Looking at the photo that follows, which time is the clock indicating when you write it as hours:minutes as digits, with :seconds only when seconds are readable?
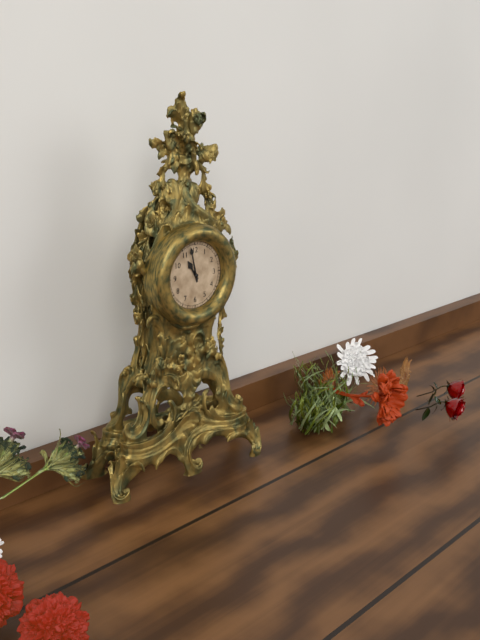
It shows 10:58
